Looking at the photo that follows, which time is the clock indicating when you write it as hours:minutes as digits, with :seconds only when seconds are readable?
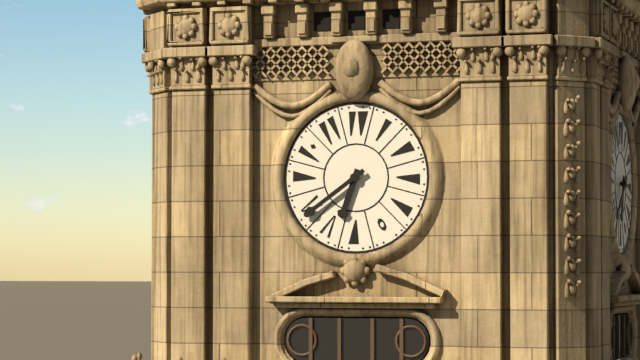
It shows 6:39
